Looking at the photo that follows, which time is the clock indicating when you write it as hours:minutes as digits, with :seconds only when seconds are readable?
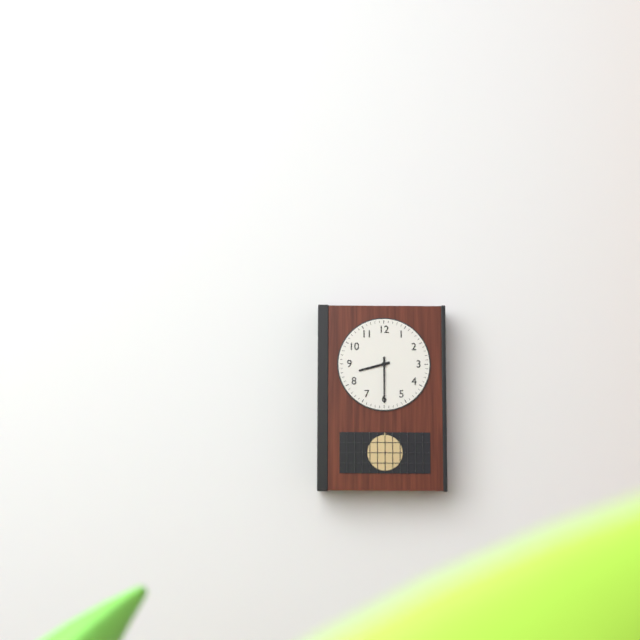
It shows 8:30
